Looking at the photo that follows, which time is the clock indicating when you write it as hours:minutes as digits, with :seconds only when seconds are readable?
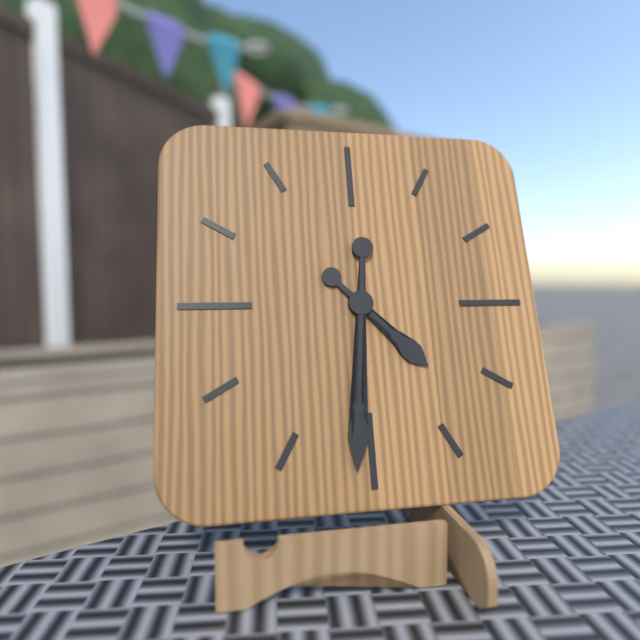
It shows 4:31
